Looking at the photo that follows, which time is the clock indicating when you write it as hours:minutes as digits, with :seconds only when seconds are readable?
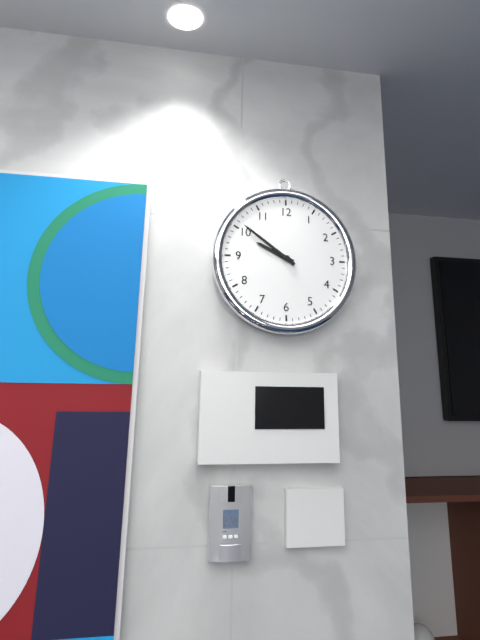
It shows 9:51
